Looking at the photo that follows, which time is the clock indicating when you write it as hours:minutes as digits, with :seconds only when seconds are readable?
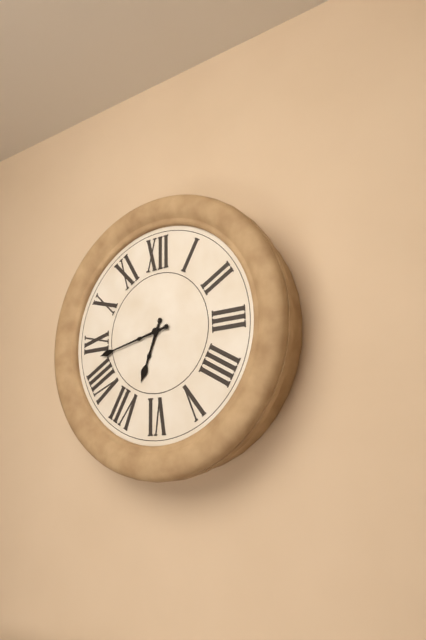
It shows 6:43
